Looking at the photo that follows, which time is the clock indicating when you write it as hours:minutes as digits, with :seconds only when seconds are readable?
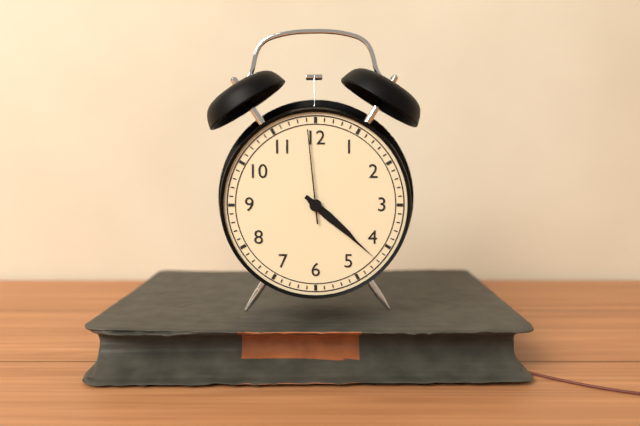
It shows 4:22:59
